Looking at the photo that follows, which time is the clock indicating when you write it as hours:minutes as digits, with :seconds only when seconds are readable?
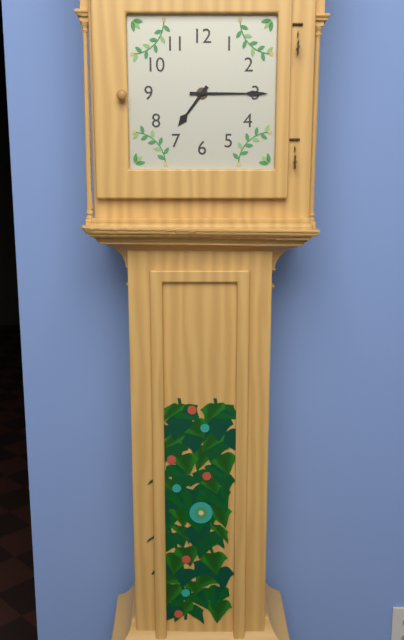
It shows 7:15
